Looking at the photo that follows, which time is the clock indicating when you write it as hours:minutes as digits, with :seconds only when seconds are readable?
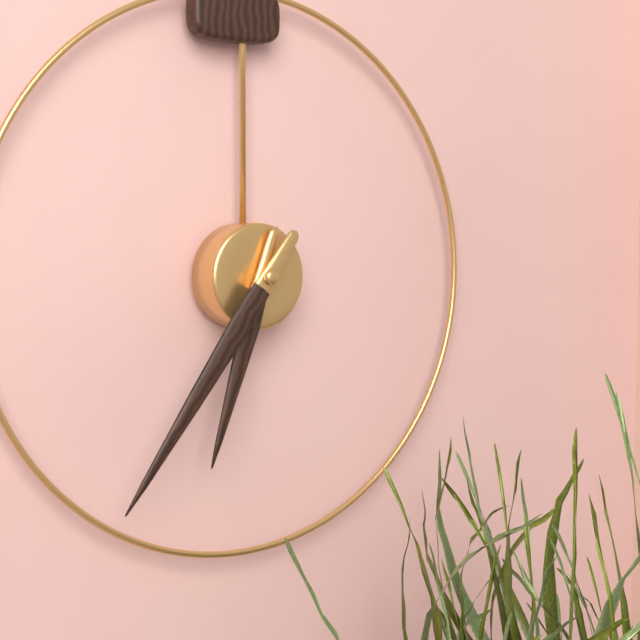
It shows 6:36
